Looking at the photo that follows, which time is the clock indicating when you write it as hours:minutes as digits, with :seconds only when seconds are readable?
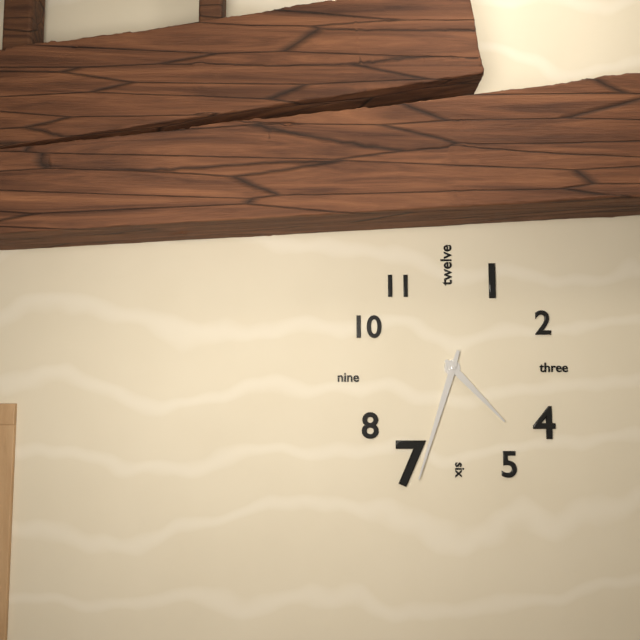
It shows 4:33
